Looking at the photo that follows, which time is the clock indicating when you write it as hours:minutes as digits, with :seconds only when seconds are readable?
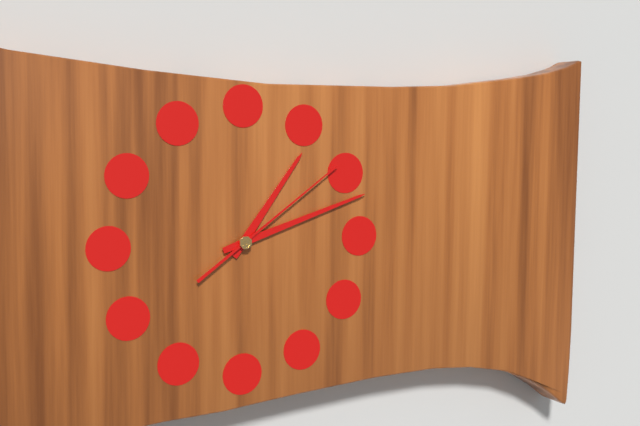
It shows 1:12:09
